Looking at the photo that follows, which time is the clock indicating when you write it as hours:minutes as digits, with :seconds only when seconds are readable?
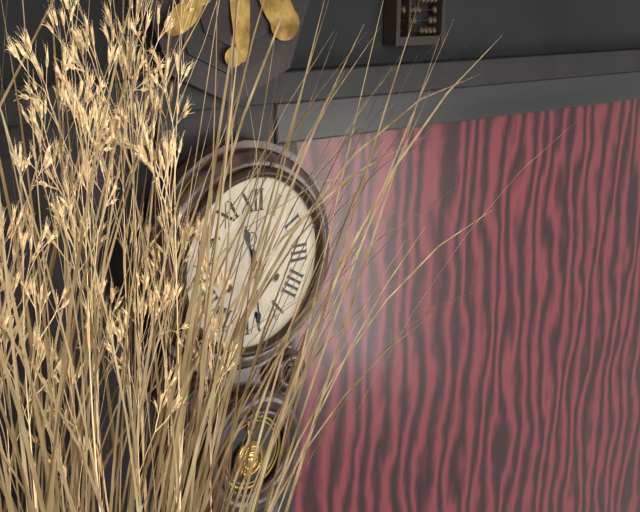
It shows 11:29
